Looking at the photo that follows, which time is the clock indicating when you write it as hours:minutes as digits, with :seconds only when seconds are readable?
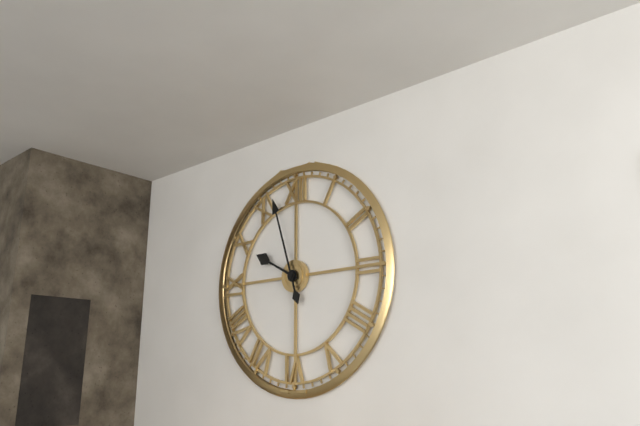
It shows 9:57
